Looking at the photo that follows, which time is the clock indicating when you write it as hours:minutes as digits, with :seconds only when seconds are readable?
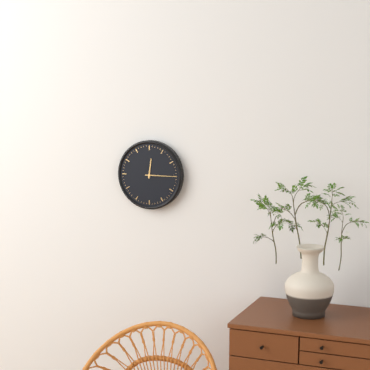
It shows 12:15
